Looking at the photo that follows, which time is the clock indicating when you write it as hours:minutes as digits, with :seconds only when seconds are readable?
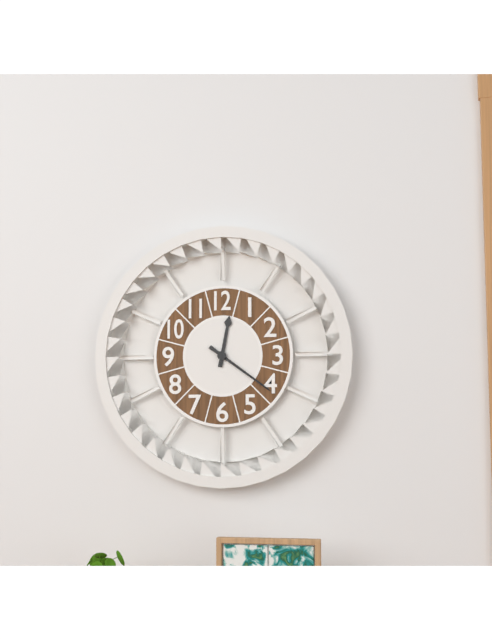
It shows 12:21
